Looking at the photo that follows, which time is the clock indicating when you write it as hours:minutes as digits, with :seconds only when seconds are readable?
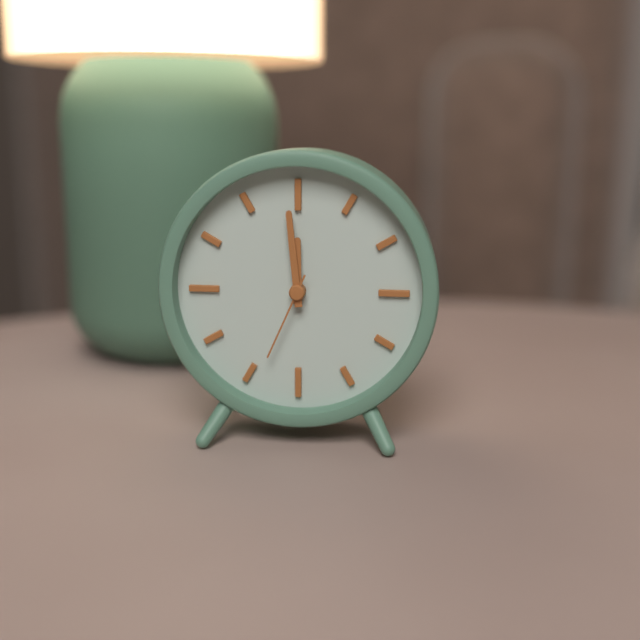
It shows 11:59:34
